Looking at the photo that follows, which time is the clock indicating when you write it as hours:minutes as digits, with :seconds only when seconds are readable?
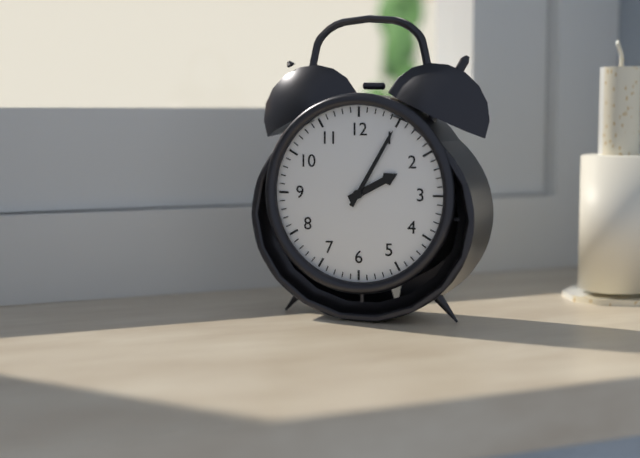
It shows 2:05
